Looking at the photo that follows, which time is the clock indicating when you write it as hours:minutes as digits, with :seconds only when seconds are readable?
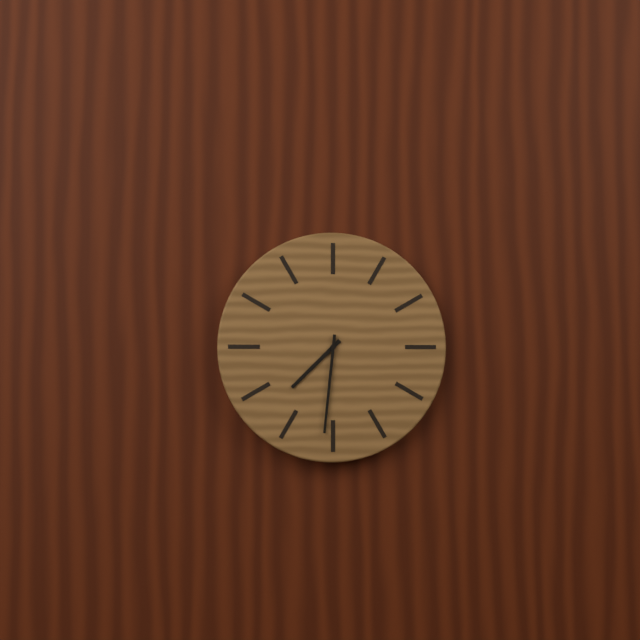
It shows 7:31
